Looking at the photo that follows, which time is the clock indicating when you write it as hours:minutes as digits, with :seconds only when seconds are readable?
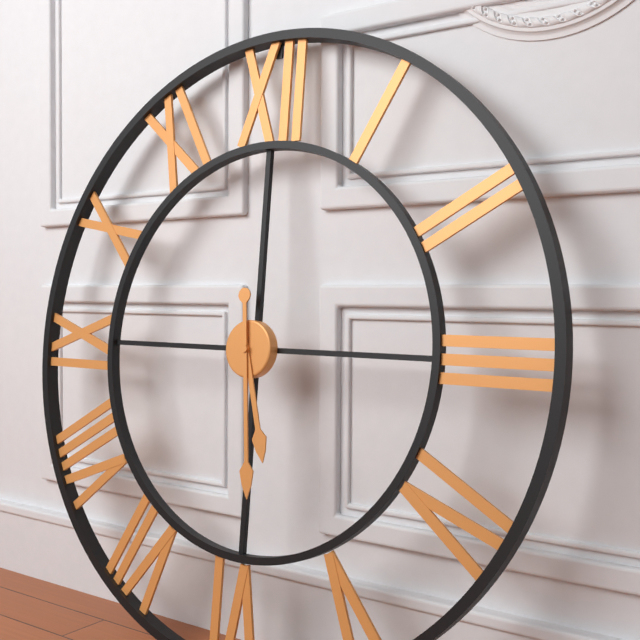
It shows 5:29
